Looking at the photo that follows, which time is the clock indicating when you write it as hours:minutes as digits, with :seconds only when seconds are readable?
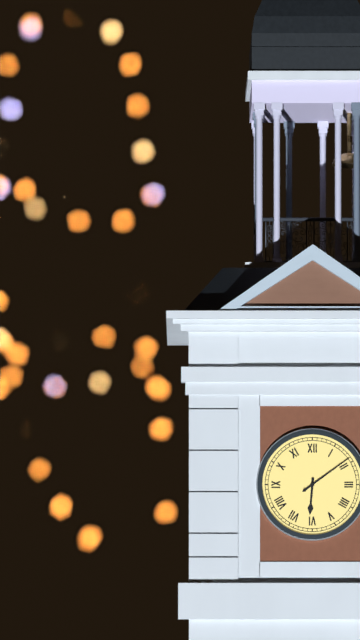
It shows 6:09
